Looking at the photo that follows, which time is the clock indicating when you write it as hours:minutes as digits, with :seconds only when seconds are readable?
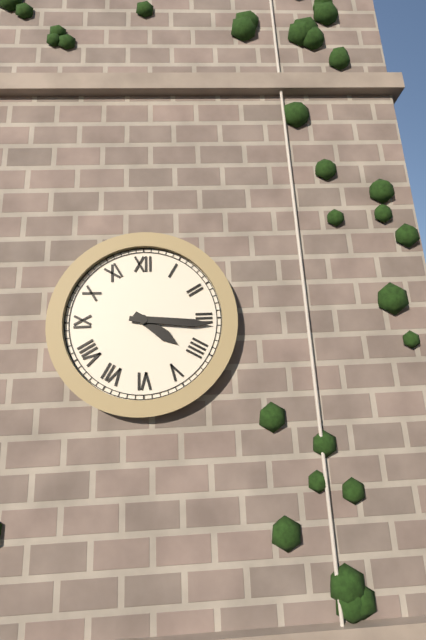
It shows 4:16
